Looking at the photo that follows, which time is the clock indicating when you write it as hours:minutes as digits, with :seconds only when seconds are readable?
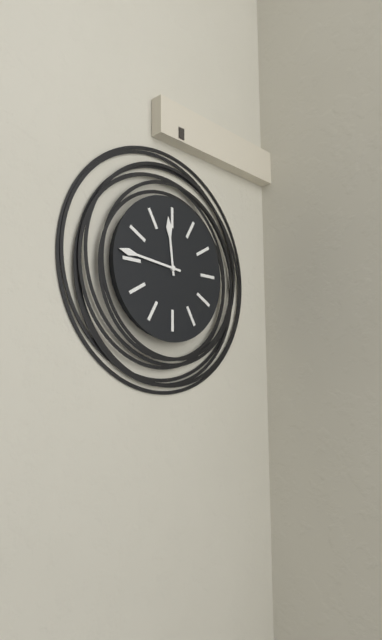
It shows 11:46
